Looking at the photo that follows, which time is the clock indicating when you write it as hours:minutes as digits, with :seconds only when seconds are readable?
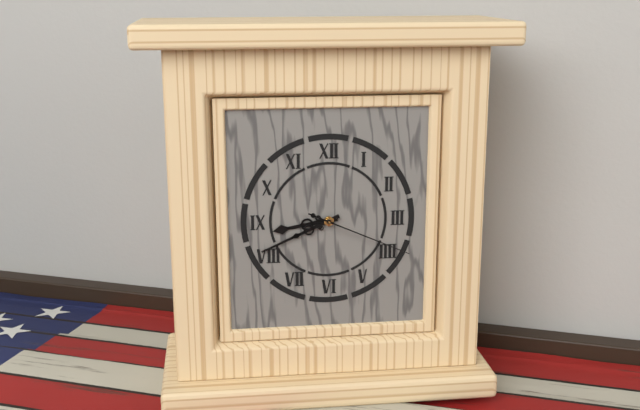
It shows 8:41:19
